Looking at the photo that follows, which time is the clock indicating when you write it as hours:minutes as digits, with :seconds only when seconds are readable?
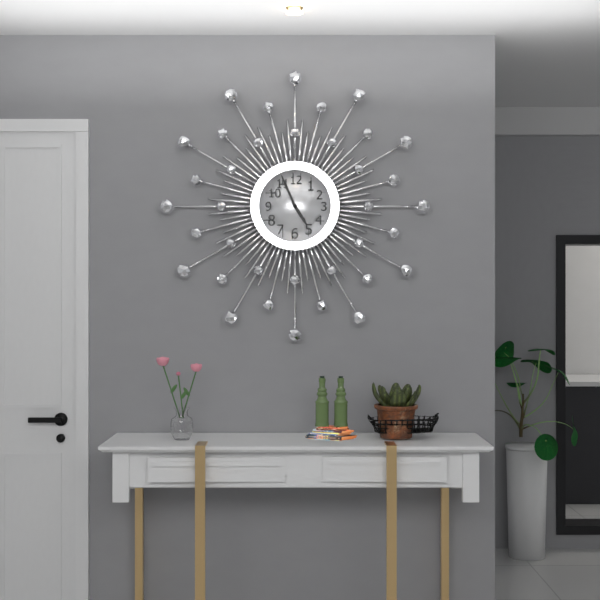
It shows 4:56
